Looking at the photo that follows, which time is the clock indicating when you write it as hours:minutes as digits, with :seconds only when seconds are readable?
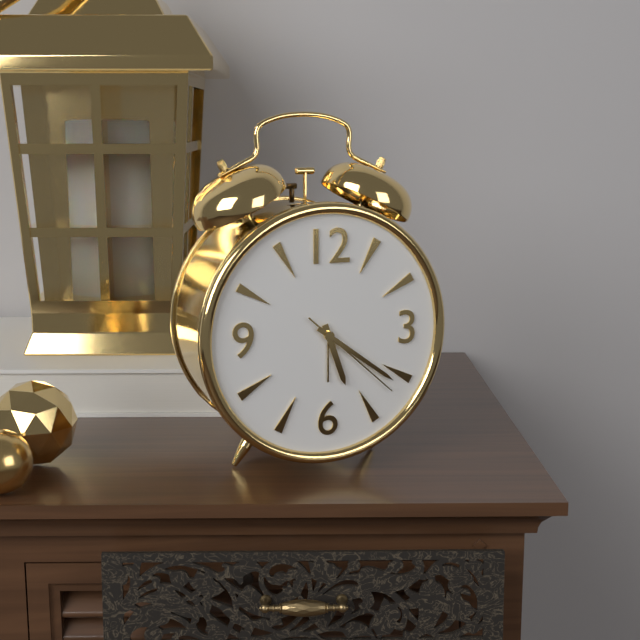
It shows 5:21:22
